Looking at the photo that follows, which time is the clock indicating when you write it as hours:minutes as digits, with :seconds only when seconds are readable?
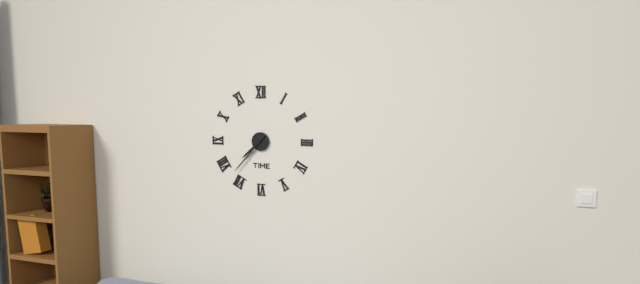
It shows 7:37
